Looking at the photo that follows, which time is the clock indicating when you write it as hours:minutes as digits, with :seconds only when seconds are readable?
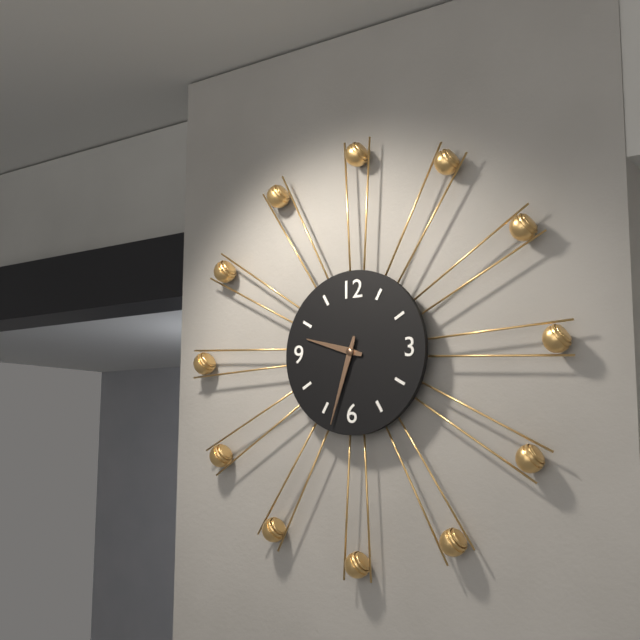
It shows 9:33
